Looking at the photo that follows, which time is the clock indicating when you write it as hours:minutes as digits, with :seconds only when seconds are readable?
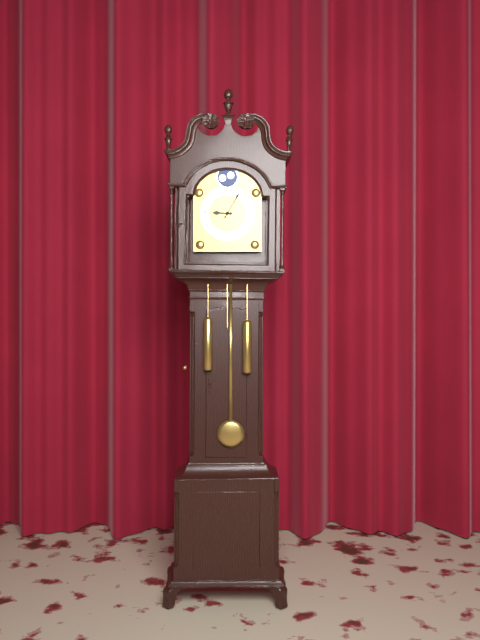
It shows 9:05
